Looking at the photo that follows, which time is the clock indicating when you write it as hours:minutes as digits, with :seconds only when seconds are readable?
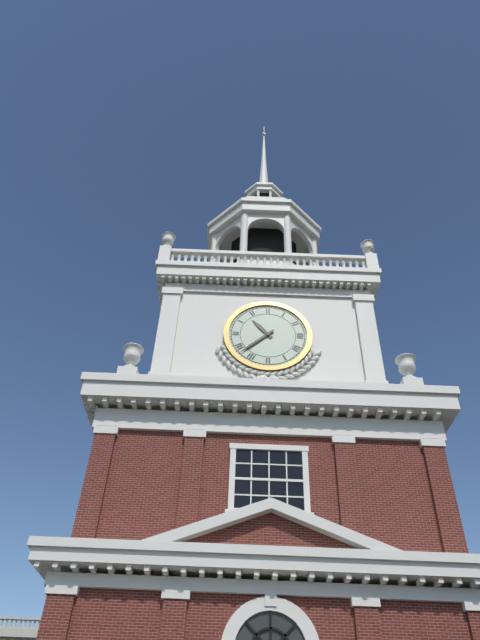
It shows 10:38
